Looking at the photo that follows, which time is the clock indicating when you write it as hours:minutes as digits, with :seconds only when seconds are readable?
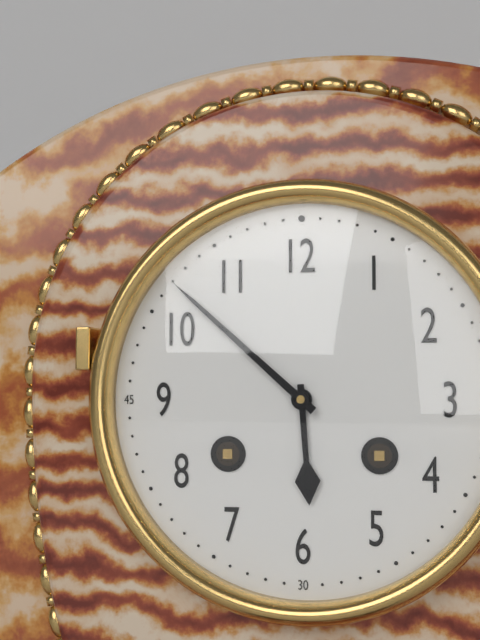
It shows 5:52
